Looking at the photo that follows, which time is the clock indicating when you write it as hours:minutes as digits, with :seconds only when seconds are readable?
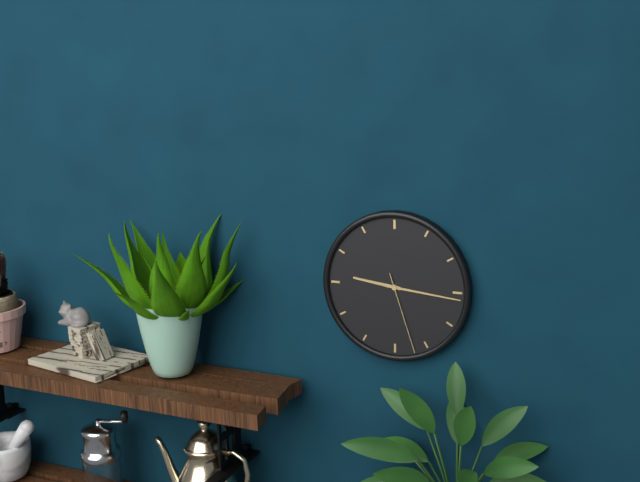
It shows 9:16:27
